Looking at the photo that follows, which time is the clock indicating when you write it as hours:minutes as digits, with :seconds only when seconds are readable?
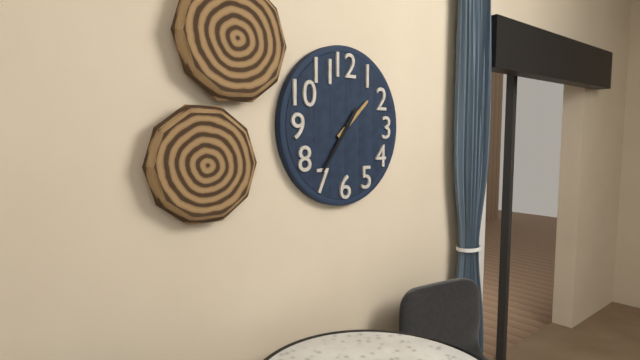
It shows 1:36
